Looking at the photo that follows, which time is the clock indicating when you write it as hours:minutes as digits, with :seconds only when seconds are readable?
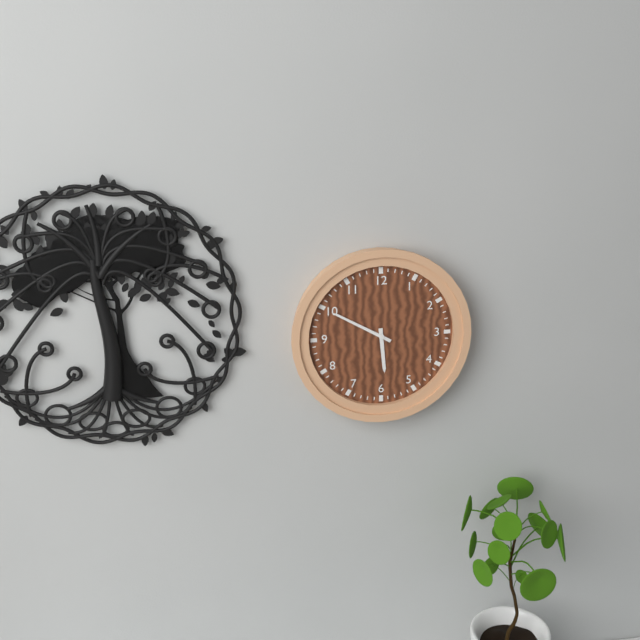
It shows 5:50
